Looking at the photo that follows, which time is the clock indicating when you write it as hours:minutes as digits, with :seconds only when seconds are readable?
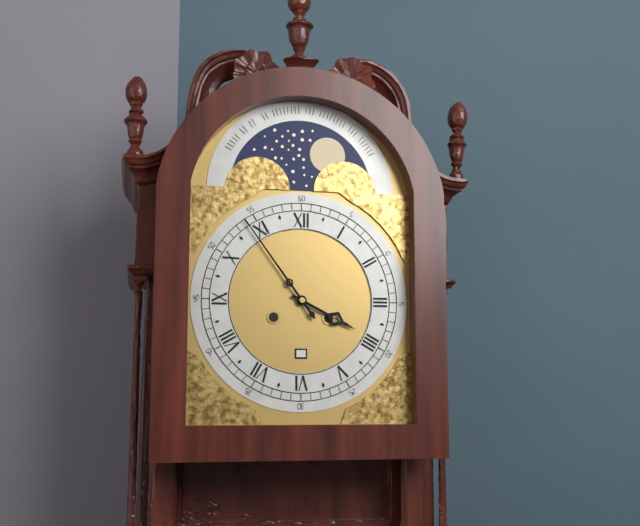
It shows 3:54
